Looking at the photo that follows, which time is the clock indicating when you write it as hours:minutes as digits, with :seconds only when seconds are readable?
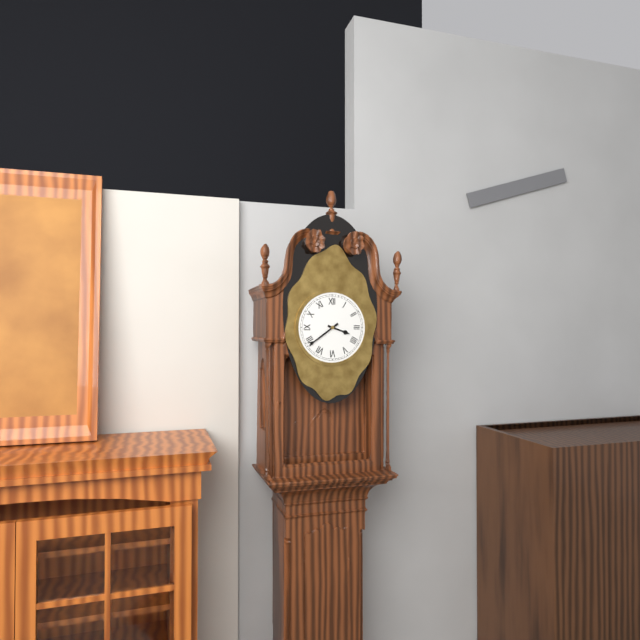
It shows 3:39
